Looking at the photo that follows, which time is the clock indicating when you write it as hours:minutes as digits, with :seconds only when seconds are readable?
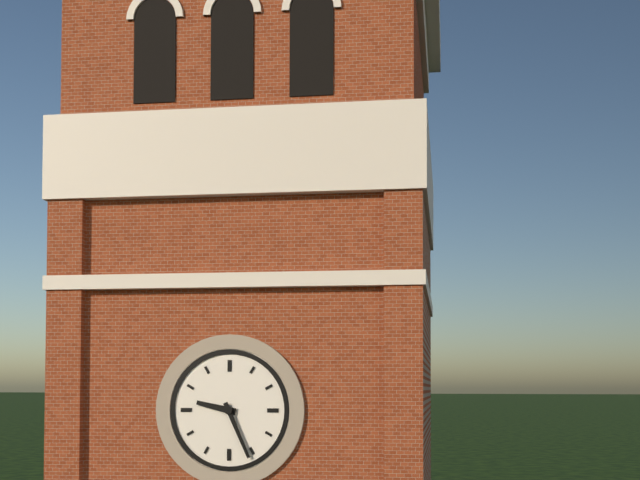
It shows 9:26
